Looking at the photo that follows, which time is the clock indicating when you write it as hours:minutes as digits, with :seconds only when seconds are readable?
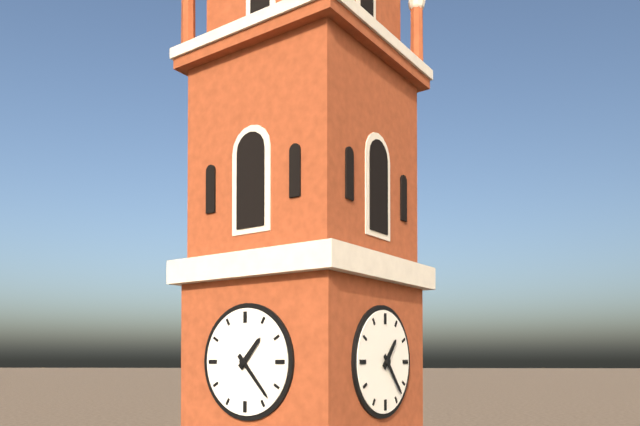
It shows 1:23
